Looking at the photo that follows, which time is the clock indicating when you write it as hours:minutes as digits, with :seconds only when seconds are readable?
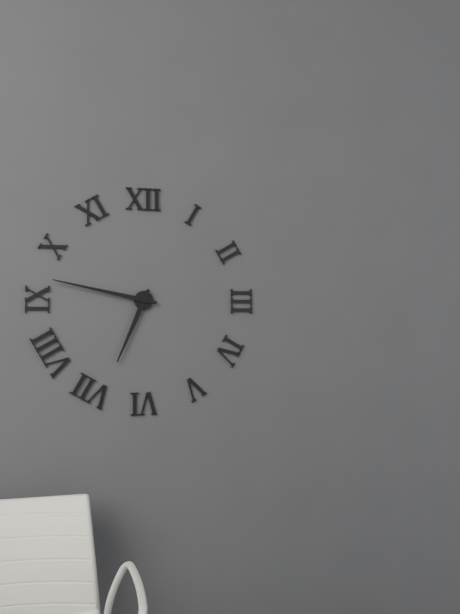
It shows 6:47
